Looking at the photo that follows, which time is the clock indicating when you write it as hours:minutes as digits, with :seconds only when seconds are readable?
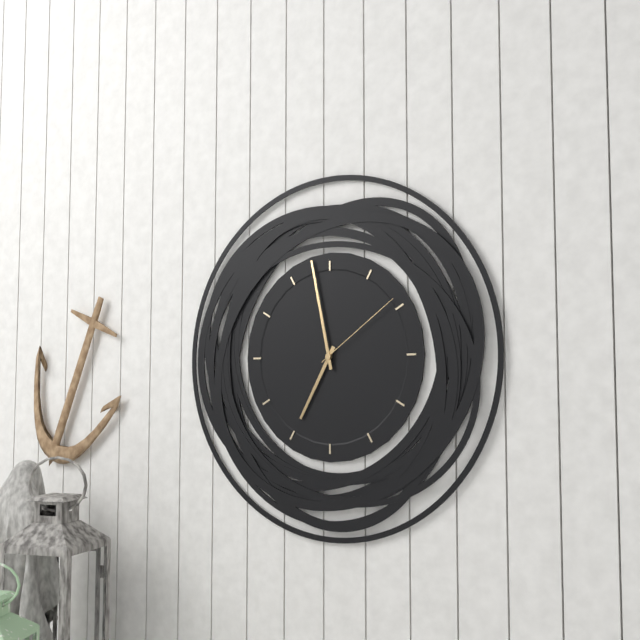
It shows 6:58:09
